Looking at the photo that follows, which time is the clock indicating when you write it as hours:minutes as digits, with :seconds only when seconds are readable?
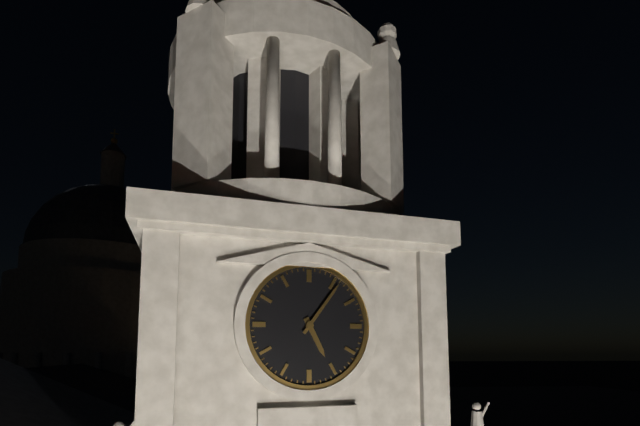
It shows 5:06
